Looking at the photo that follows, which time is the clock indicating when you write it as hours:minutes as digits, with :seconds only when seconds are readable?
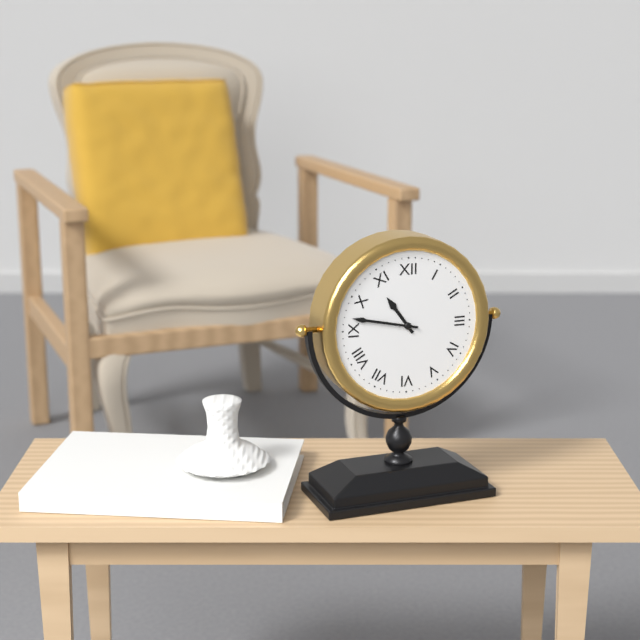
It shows 10:47
